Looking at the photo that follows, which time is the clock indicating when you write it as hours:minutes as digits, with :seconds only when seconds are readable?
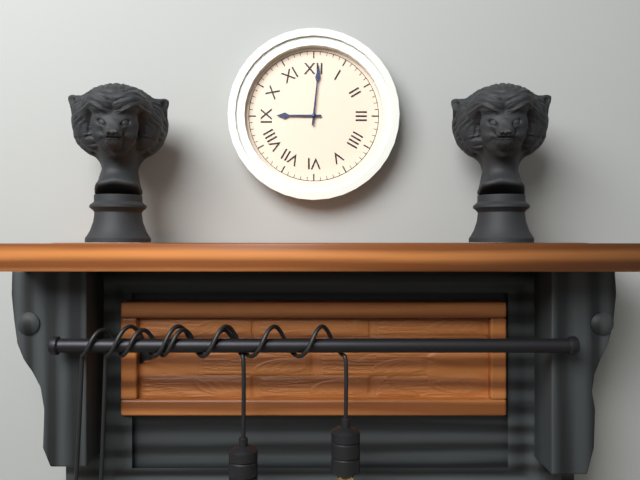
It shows 9:01
